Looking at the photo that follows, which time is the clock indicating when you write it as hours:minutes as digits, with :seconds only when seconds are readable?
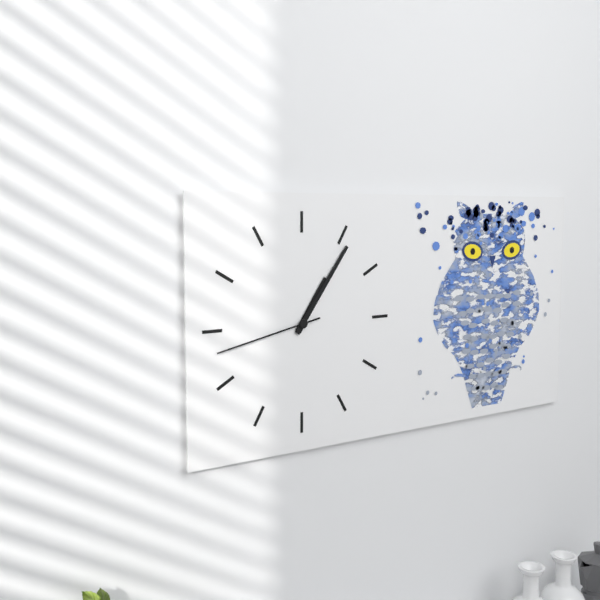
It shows 1:06:43
